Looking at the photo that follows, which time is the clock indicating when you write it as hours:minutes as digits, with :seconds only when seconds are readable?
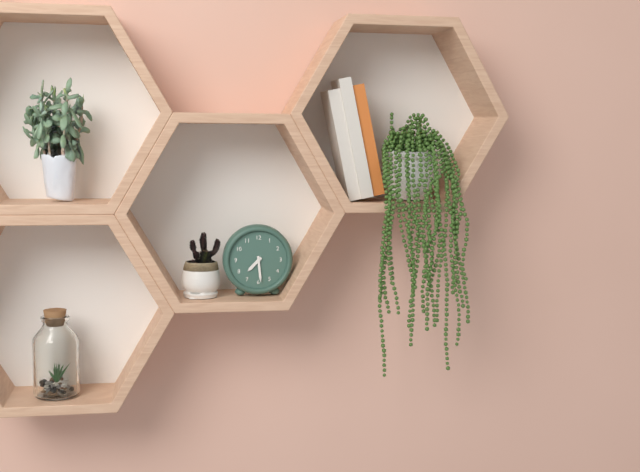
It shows 7:29
